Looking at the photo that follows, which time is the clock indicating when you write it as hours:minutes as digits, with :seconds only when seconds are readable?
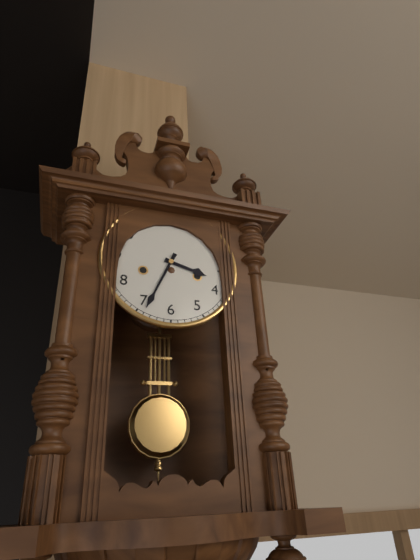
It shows 3:34
